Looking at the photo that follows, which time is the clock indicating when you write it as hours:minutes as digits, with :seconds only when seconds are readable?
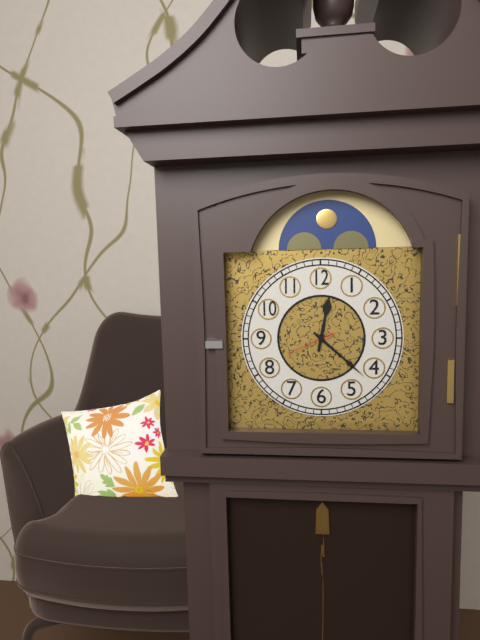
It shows 12:22
